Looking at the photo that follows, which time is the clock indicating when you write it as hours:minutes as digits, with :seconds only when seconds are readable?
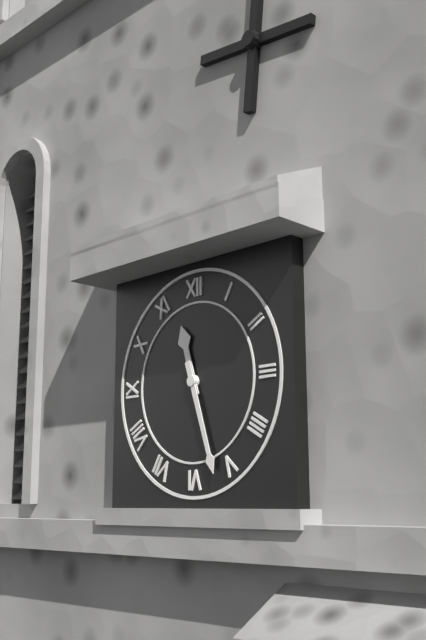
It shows 11:27
